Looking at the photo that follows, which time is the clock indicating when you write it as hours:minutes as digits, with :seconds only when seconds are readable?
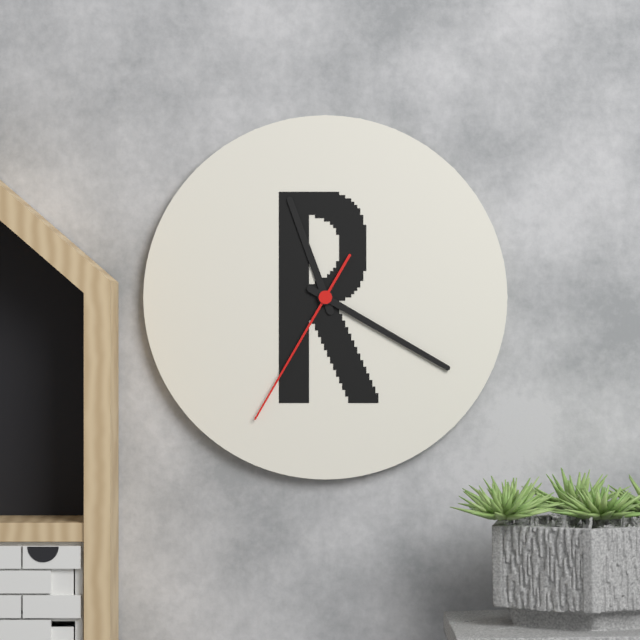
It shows 11:20:35
